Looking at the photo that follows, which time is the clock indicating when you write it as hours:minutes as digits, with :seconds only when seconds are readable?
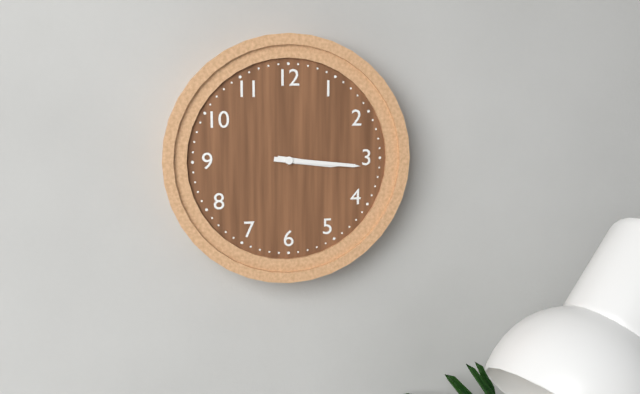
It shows 3:16
